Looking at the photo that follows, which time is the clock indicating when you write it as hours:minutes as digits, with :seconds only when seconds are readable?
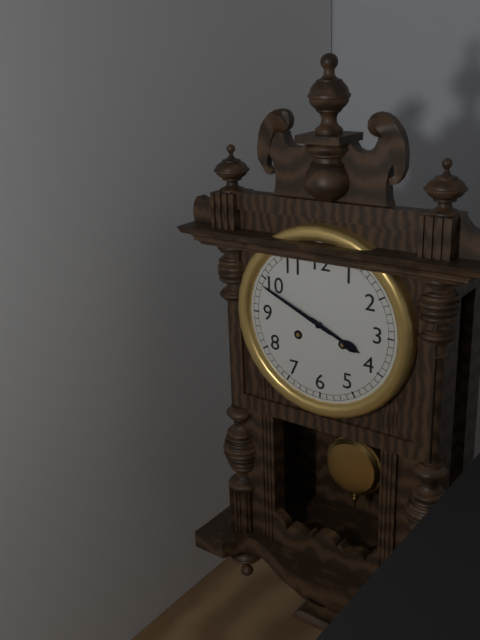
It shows 3:49
